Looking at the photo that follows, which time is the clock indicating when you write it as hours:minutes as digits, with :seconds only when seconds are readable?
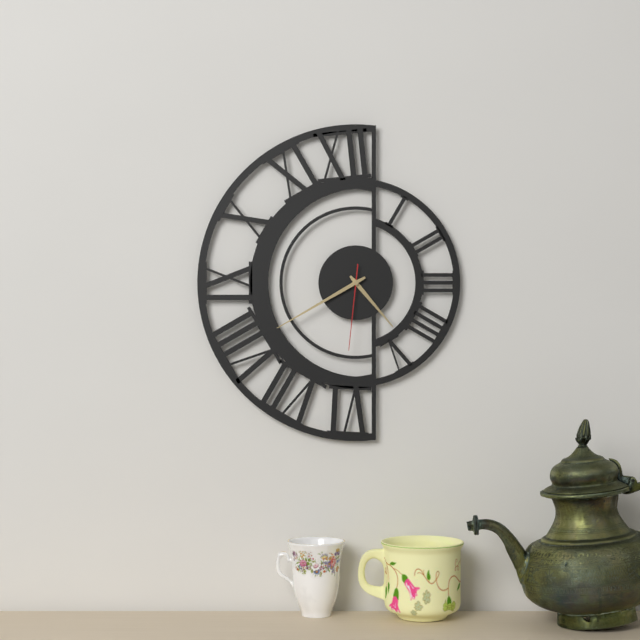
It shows 4:40:31
